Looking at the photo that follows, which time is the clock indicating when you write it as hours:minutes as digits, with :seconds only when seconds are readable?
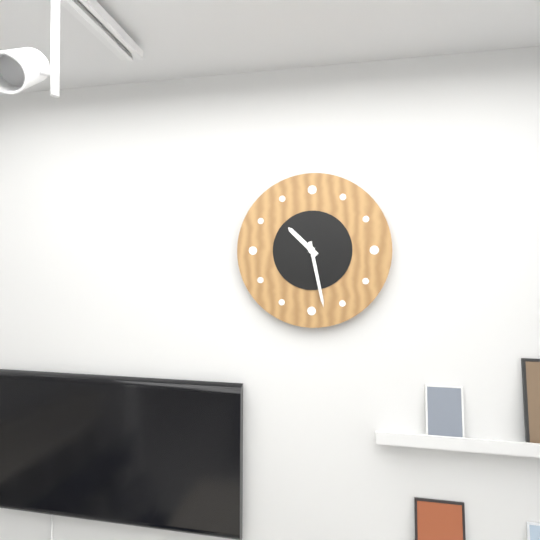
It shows 10:28
